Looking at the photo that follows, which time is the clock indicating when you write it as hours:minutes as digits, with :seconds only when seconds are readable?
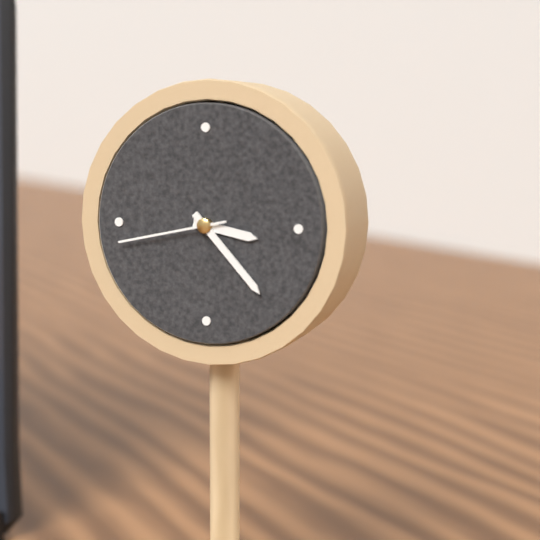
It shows 3:23:43
